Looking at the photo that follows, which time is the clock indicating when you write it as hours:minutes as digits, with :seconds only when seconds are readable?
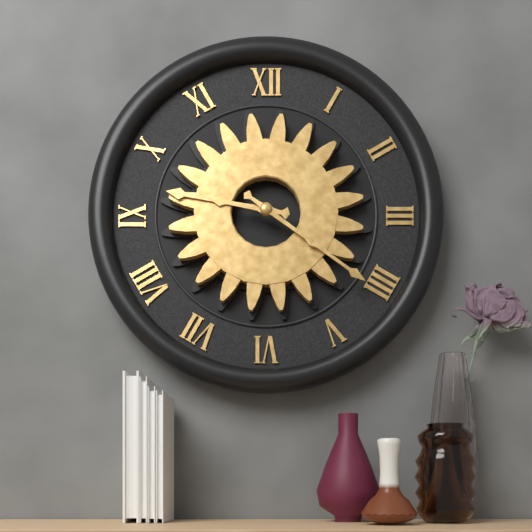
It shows 9:21
